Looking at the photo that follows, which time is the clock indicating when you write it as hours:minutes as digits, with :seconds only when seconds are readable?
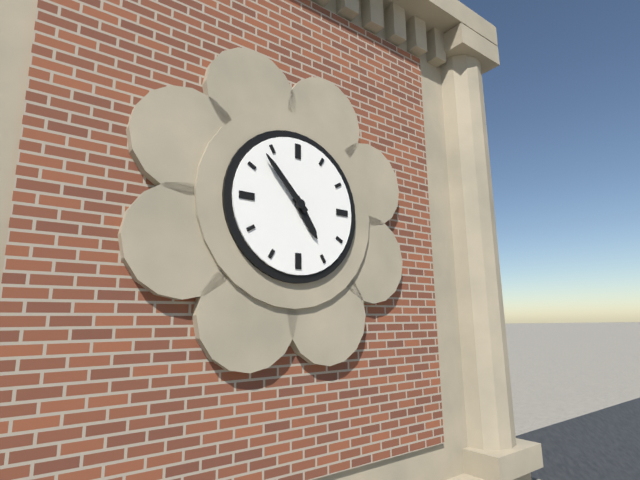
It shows 4:53
